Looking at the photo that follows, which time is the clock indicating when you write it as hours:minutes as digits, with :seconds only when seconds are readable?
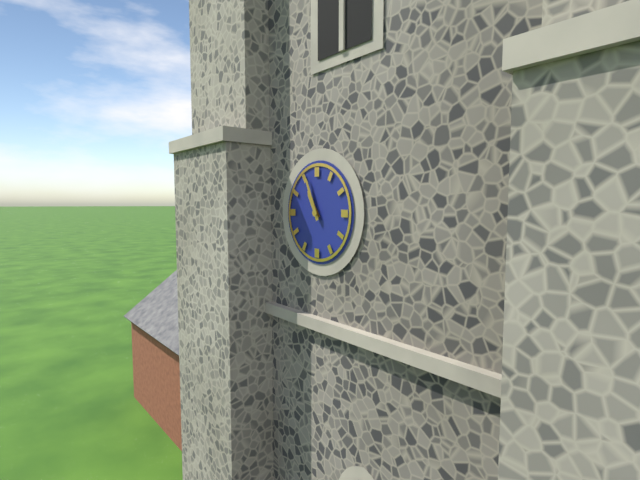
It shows 10:56
